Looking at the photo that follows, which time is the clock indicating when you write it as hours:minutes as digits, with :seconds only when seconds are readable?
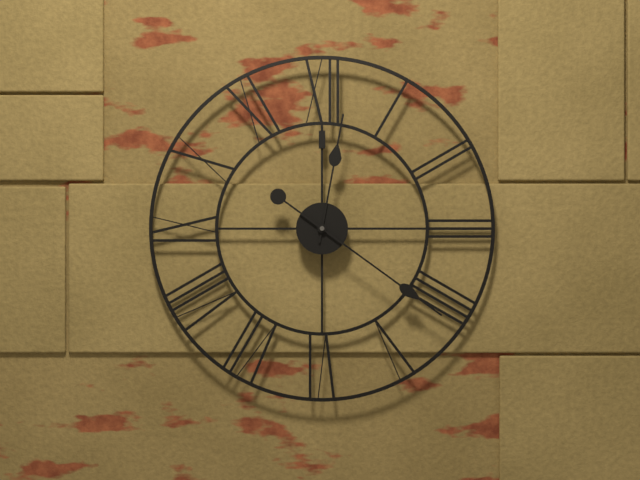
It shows 12:21
